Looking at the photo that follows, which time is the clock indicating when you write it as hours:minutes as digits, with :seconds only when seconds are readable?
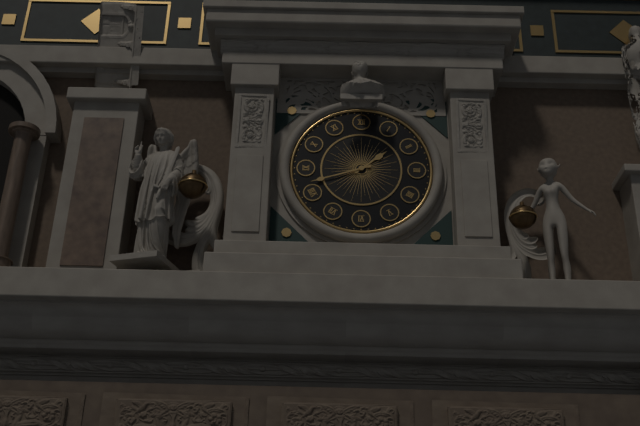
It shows 1:42
